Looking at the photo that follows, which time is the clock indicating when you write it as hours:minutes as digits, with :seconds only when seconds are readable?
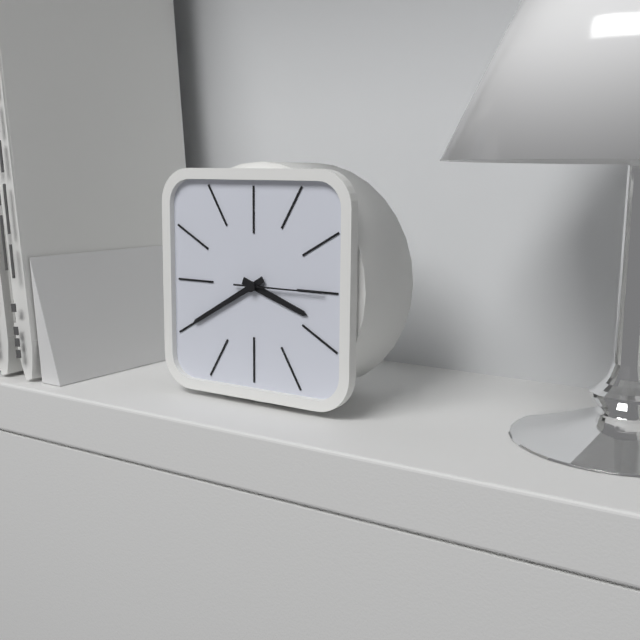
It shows 3:40:15
